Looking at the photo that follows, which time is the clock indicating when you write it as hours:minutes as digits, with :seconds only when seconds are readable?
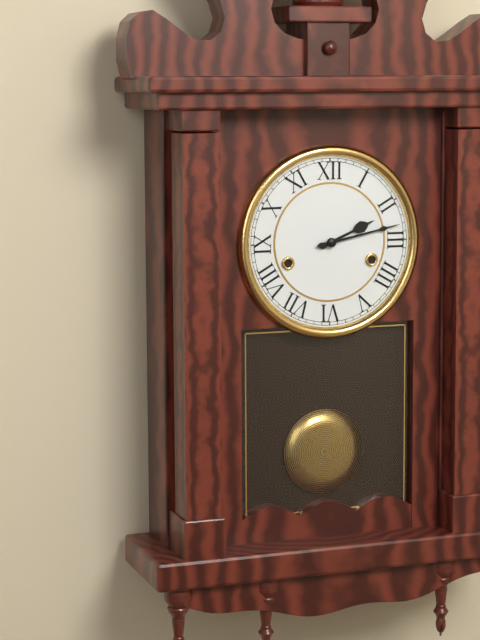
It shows 2:13
